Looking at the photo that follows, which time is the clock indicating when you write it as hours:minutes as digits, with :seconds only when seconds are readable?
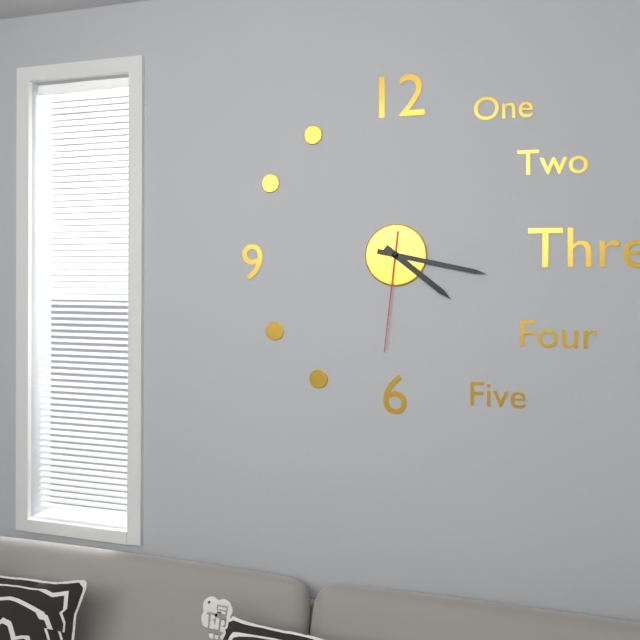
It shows 4:17:31
